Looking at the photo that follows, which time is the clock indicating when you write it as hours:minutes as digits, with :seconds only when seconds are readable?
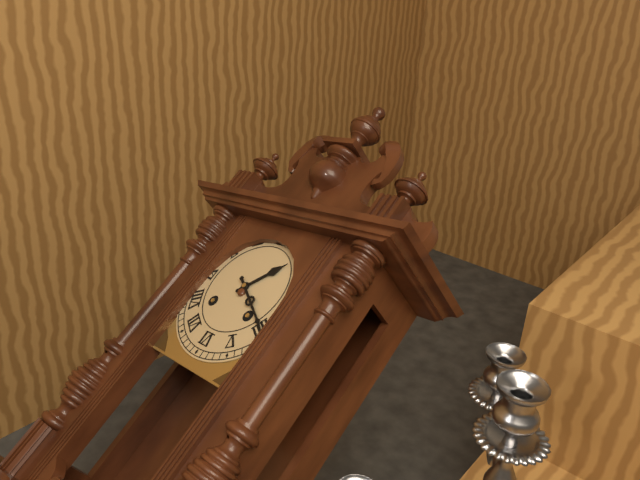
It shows 1:20
